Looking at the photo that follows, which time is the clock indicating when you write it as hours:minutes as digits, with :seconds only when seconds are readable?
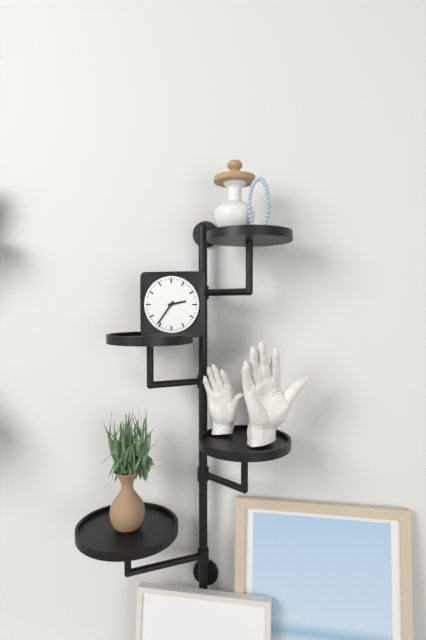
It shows 2:36
